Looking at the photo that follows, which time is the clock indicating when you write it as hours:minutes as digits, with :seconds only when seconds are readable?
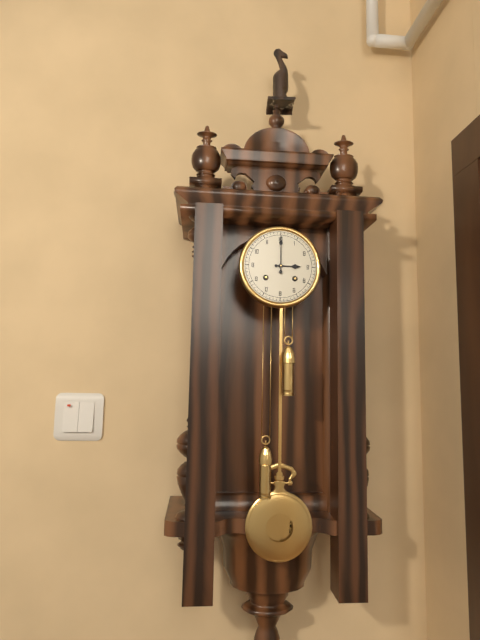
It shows 3:00
